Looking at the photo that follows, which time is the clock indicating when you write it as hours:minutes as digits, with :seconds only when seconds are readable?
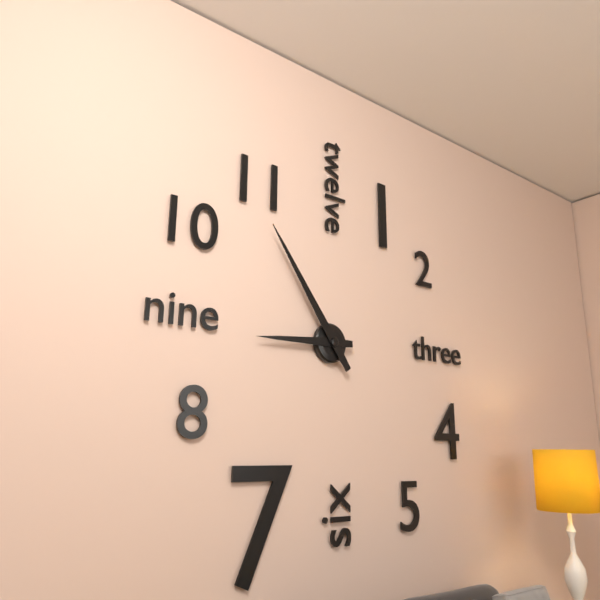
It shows 8:54
